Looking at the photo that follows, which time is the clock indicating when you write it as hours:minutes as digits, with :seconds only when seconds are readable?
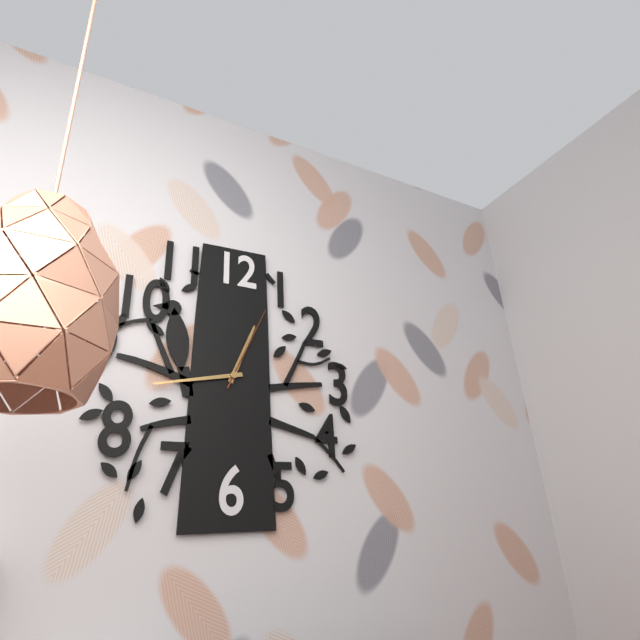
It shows 12:43:04
